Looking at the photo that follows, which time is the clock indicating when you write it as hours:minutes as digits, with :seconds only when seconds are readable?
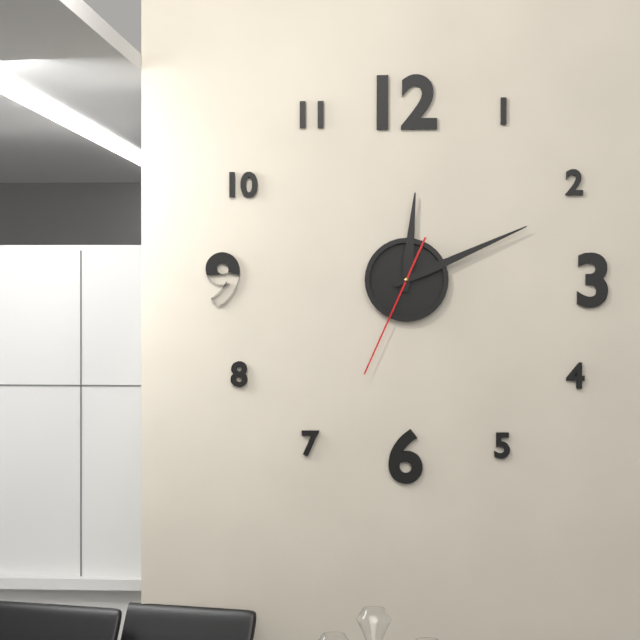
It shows 12:11:34
